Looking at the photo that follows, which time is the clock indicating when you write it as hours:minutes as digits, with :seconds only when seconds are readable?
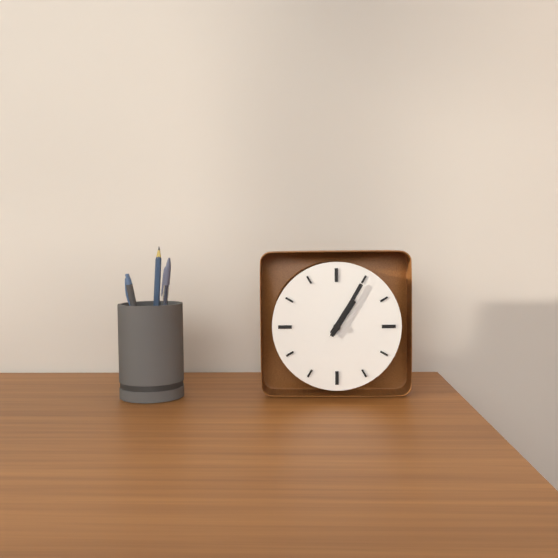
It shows 1:05
